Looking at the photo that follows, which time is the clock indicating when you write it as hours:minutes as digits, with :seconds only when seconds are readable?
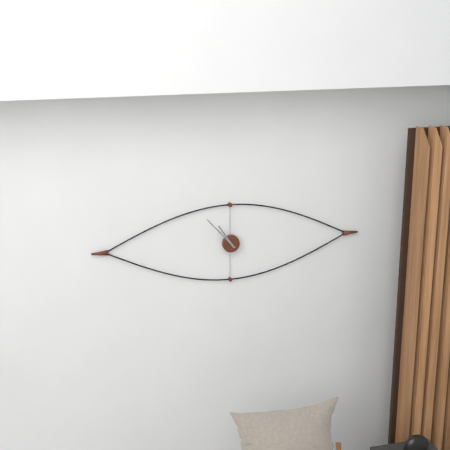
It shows 10:53
